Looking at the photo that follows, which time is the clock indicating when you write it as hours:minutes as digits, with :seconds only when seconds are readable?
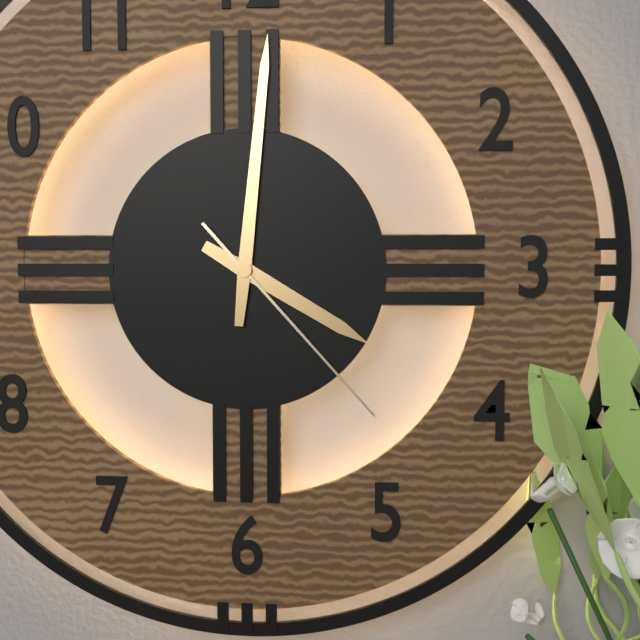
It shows 4:01:23
